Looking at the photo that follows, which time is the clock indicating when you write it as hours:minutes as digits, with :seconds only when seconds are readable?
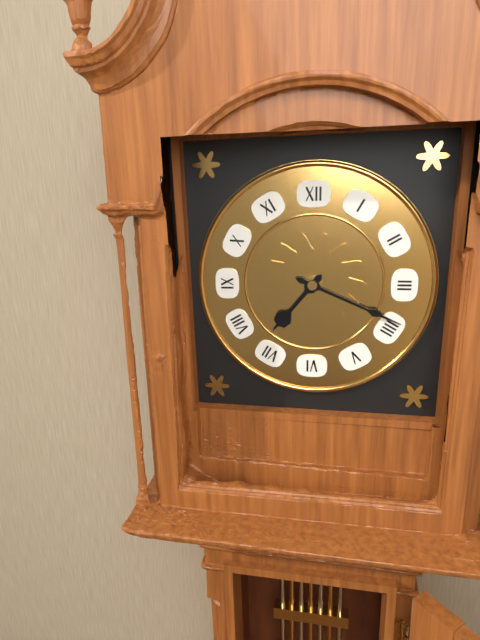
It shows 7:19
